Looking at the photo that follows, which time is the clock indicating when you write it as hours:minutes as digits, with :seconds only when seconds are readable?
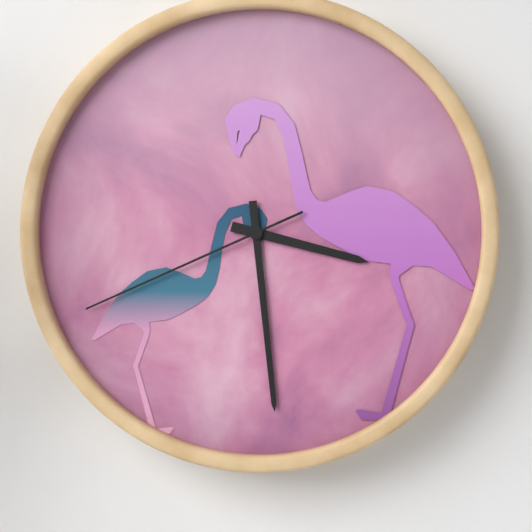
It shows 3:29:41
